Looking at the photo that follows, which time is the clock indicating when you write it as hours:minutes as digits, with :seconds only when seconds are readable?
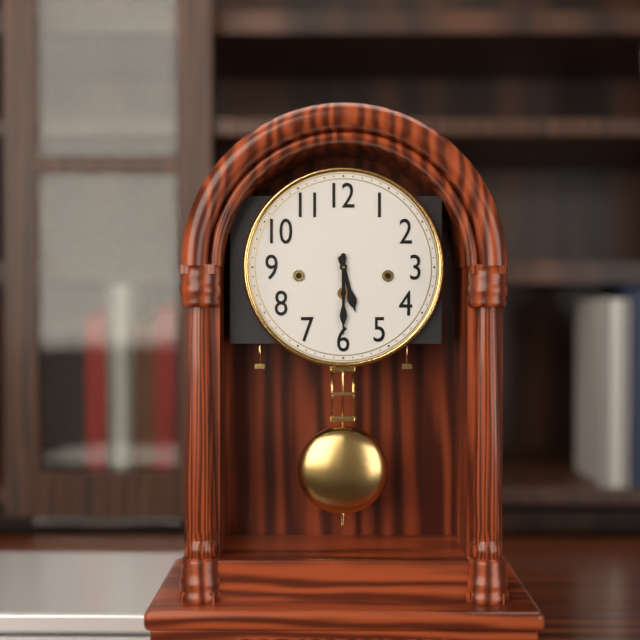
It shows 5:30
